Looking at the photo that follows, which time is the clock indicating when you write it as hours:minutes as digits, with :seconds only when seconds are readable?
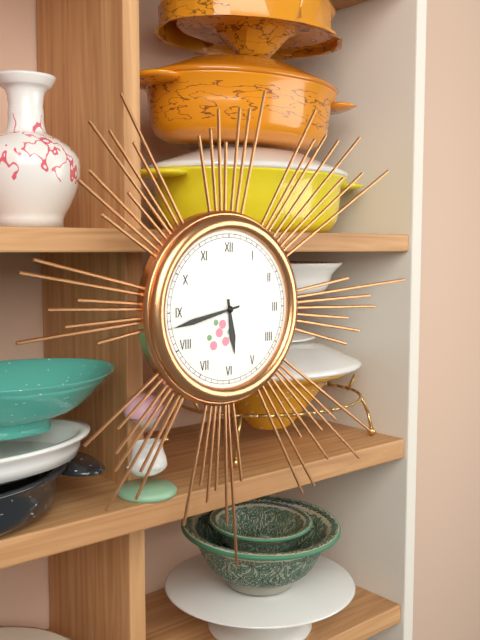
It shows 5:43
